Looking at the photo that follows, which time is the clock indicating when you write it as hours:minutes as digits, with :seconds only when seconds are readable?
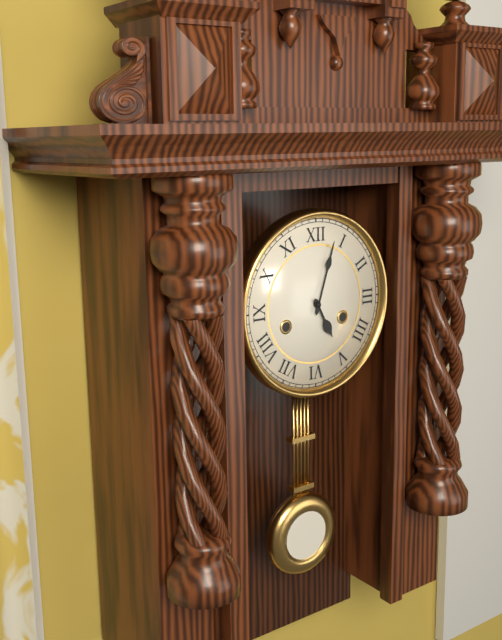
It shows 5:03
